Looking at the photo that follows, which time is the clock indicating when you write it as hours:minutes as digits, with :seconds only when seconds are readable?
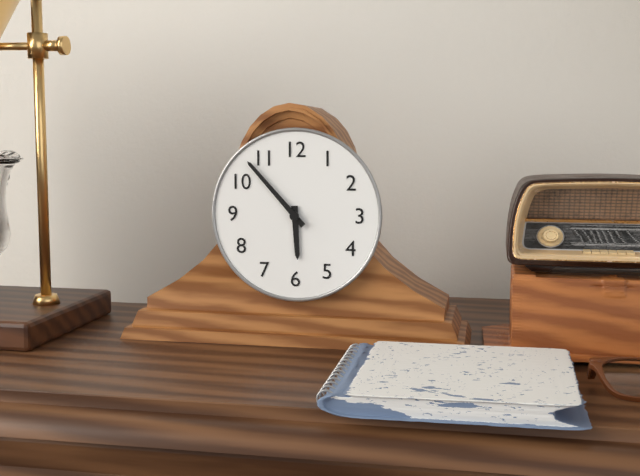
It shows 5:53
